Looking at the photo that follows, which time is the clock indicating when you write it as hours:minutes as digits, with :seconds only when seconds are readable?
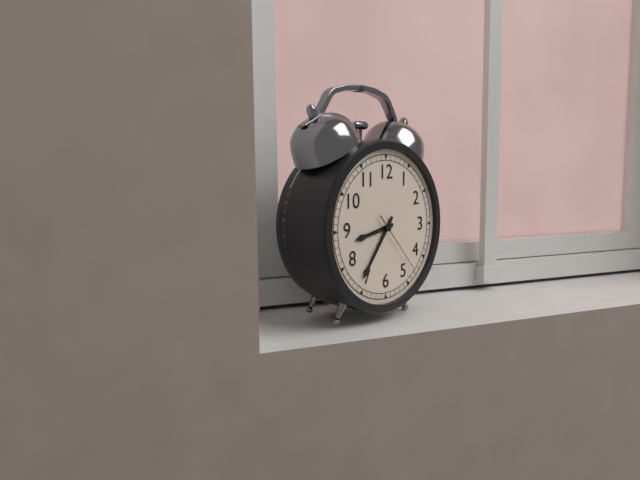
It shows 8:36:23
